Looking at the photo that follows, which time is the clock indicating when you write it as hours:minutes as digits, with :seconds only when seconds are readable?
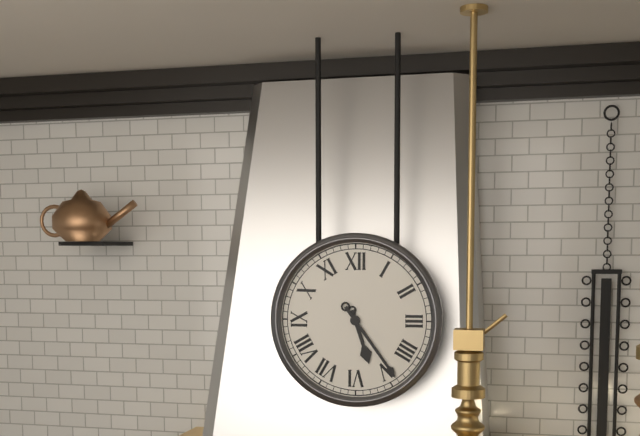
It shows 5:24
